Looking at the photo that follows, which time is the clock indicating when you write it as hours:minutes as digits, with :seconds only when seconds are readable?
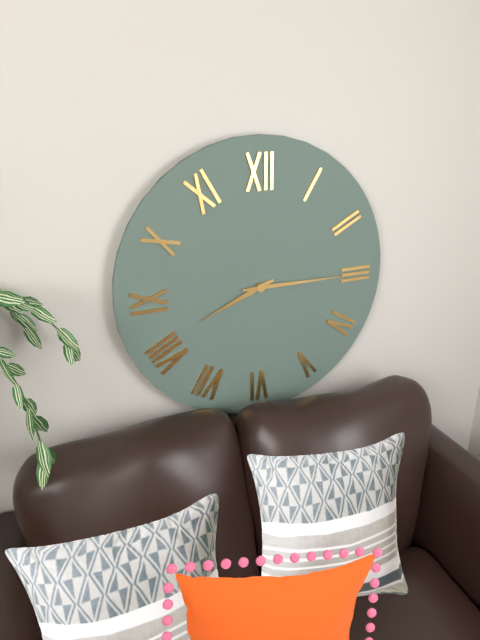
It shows 8:15
